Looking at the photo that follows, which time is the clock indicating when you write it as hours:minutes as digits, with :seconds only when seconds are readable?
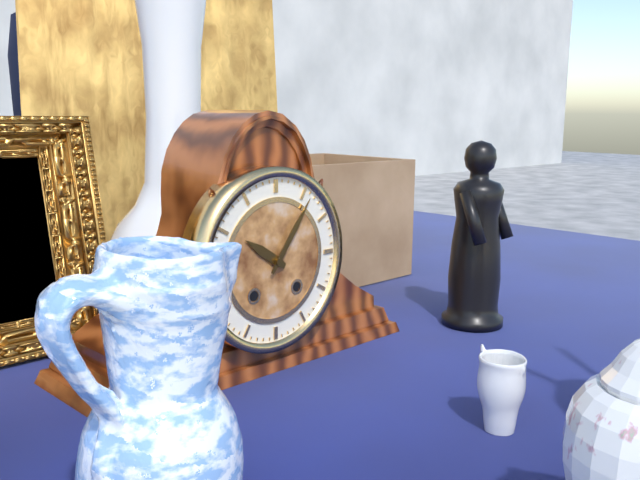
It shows 10:06
